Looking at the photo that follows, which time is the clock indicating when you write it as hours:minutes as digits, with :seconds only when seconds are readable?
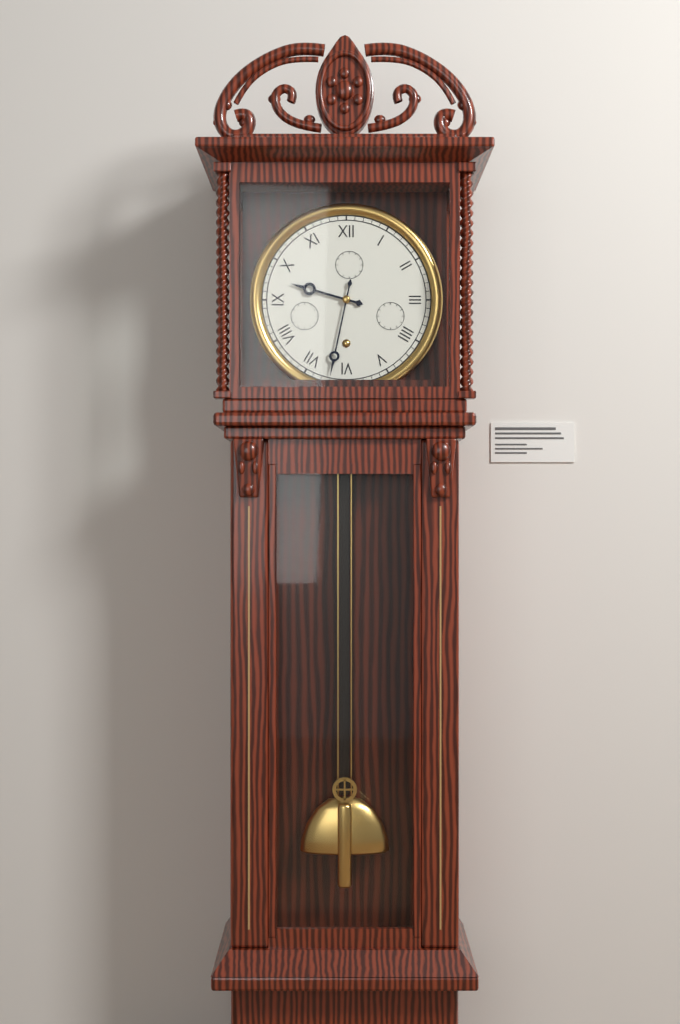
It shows 9:32
